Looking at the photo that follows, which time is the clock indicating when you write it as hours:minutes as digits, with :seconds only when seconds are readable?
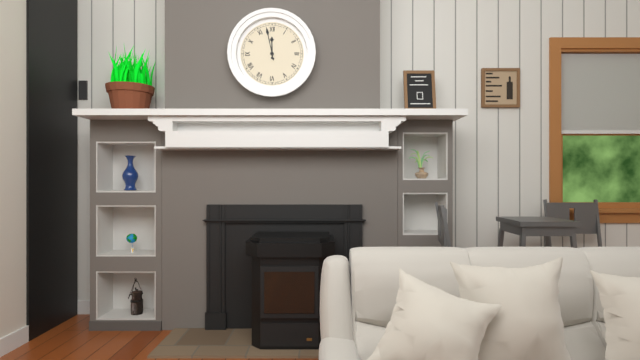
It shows 11:58
